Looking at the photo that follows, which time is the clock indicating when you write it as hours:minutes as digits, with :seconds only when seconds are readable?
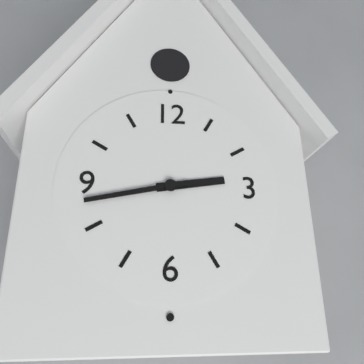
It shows 2:43
